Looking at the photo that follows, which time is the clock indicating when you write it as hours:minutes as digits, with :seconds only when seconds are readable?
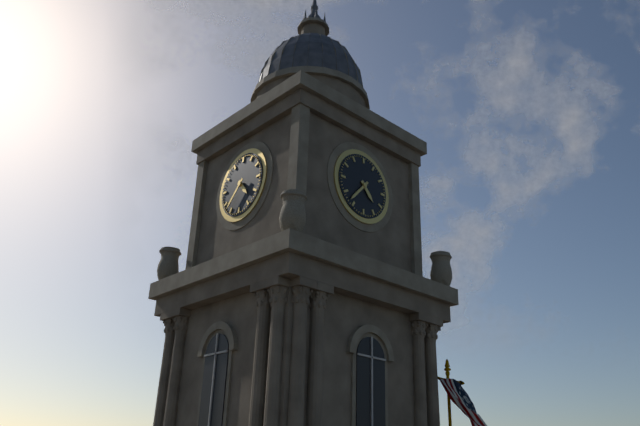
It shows 4:37
